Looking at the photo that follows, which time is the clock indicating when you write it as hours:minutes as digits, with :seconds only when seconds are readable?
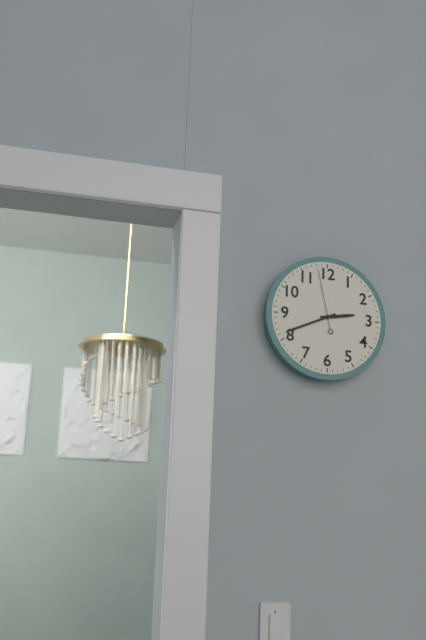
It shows 2:41:58
